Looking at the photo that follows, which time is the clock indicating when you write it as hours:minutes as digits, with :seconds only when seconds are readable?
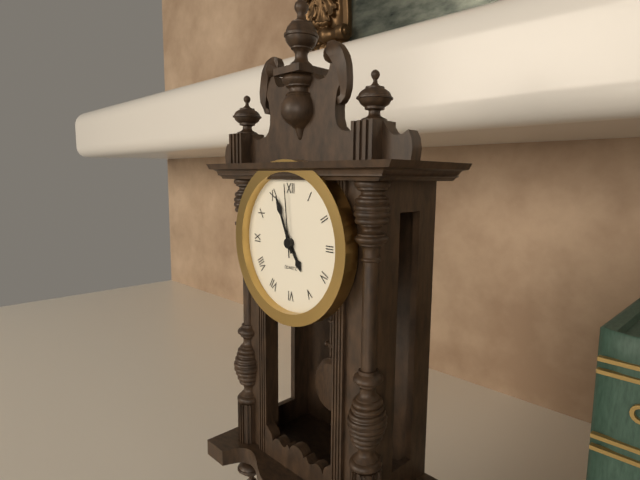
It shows 4:56:59
